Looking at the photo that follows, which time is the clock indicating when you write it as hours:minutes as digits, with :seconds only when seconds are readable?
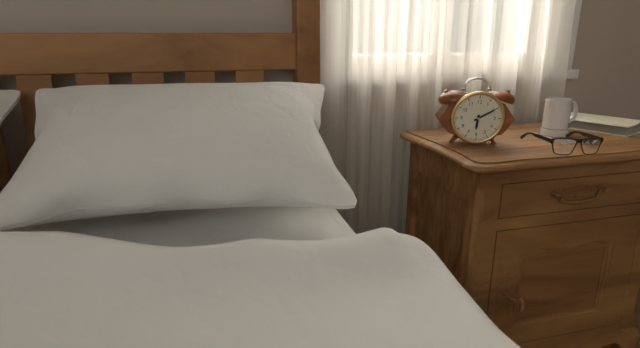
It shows 6:10
